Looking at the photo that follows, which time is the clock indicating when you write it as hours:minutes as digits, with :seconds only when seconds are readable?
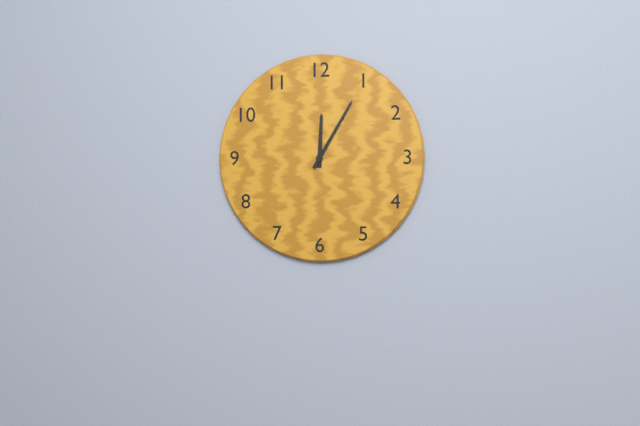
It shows 12:05
